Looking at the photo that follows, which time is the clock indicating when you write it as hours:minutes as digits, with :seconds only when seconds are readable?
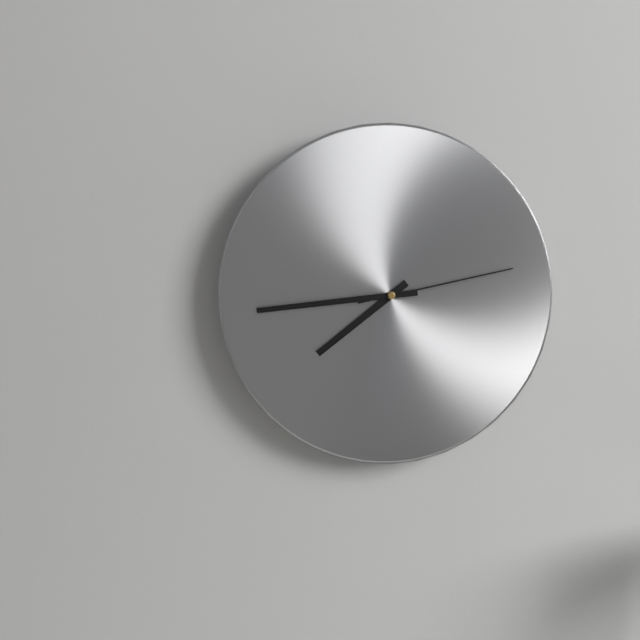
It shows 7:44:13
